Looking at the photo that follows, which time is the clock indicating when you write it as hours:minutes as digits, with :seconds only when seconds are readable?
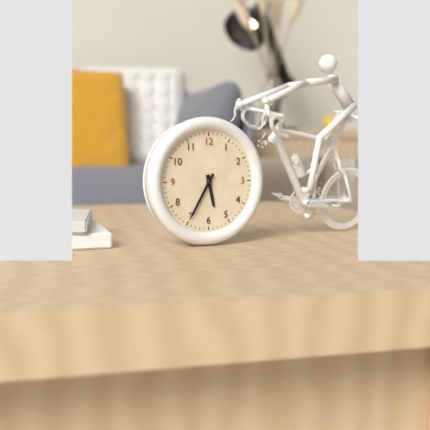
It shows 5:35
